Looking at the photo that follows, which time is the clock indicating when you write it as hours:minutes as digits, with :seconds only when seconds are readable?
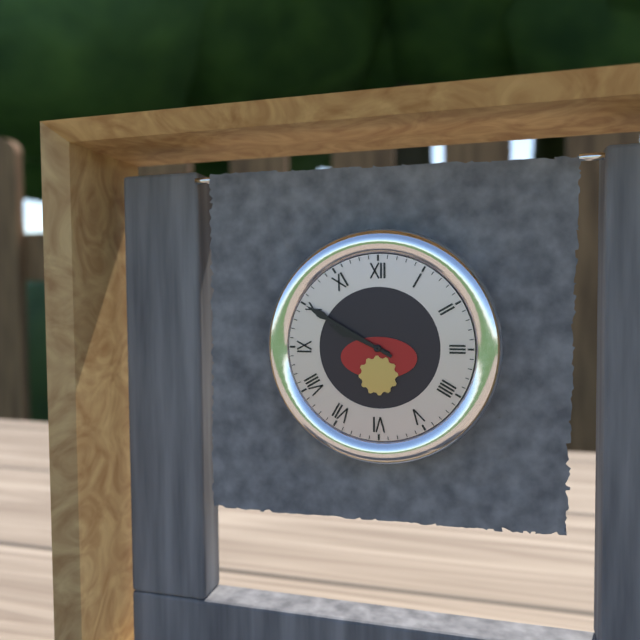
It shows 9:50
